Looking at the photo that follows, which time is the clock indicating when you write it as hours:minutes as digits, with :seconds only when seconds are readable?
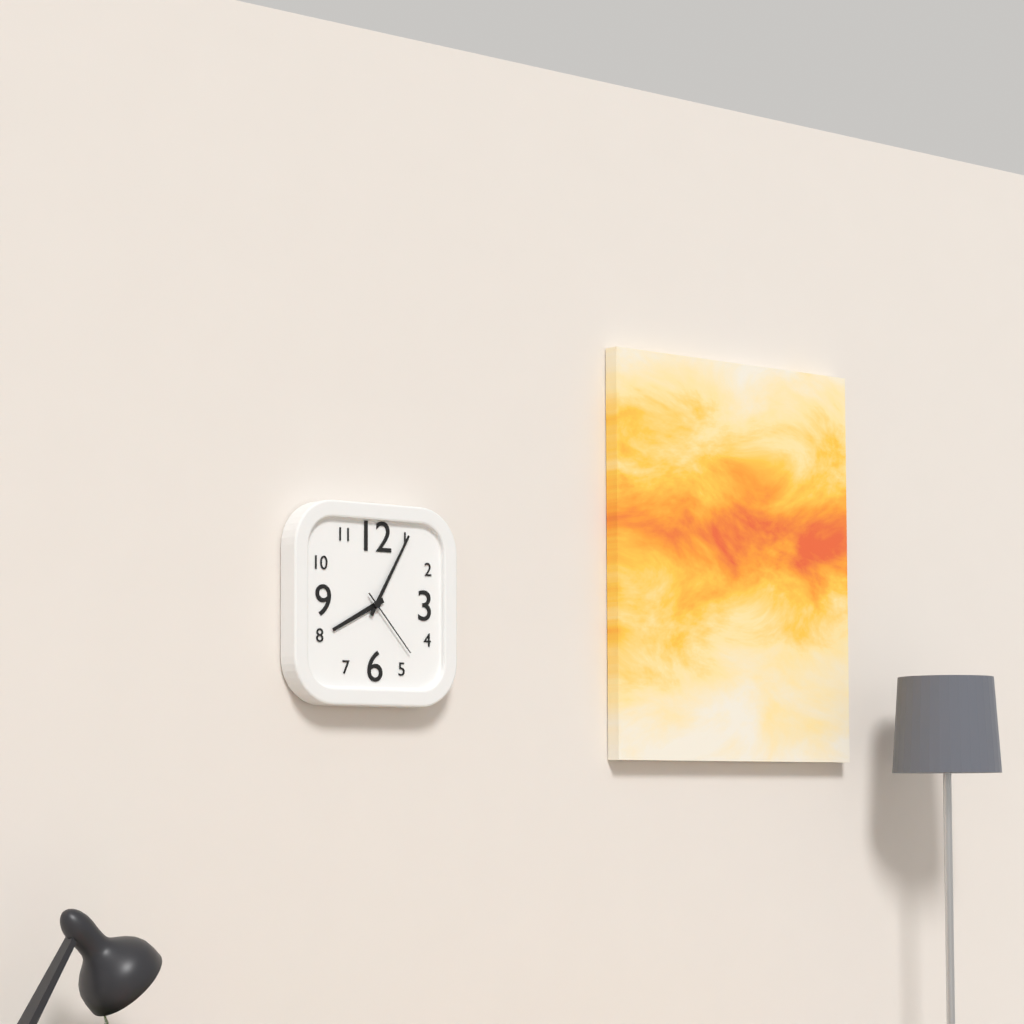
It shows 8:05:23
